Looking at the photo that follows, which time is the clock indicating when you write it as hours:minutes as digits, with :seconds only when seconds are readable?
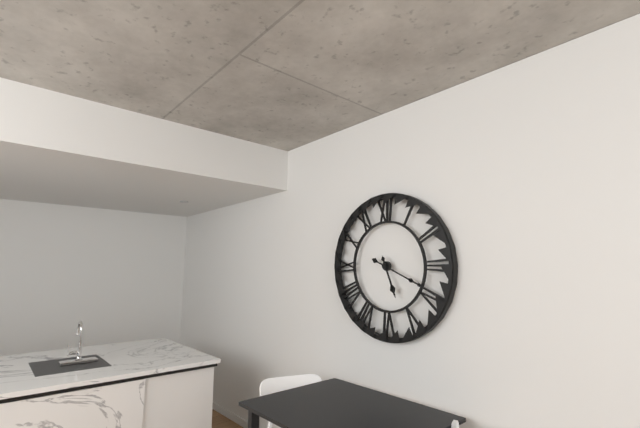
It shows 5:19
